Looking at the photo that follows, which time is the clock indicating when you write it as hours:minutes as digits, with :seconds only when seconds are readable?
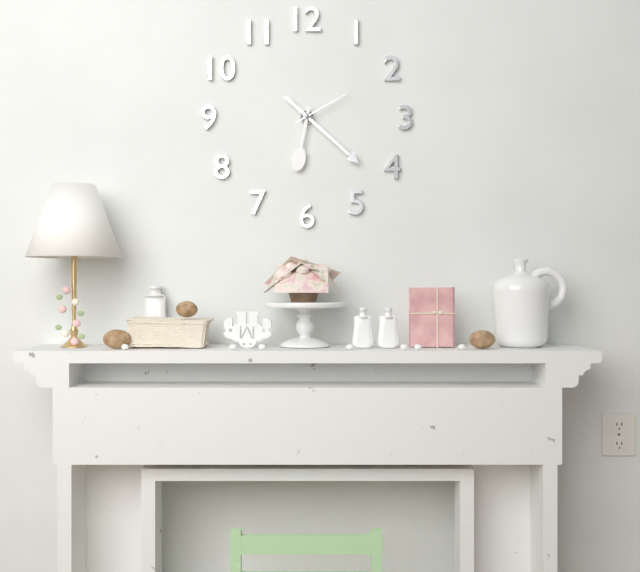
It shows 6:22:10
